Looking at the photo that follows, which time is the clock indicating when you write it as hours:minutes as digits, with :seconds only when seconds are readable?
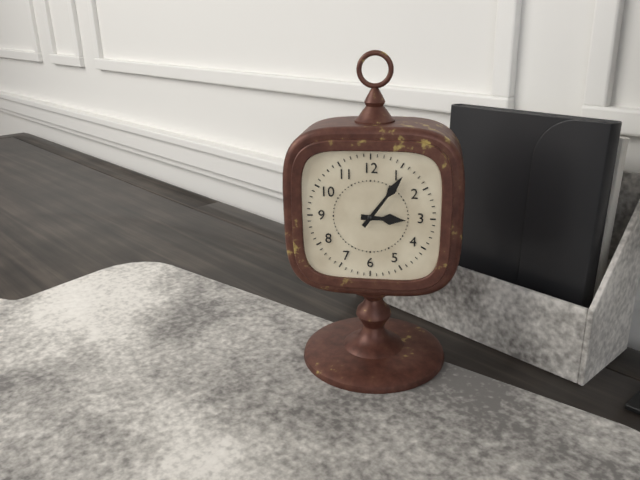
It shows 3:06
